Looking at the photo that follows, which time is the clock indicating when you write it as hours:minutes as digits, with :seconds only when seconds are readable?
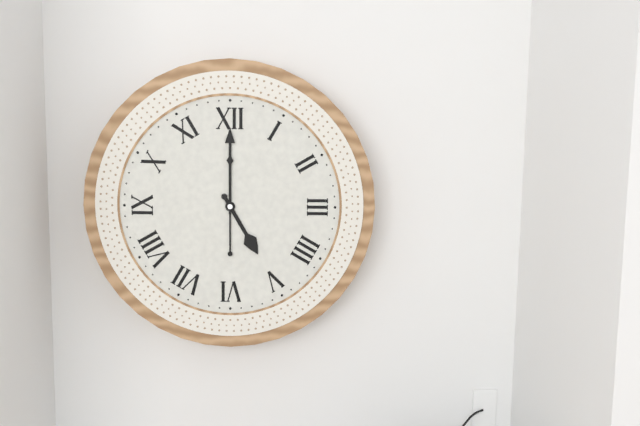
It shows 5:00
